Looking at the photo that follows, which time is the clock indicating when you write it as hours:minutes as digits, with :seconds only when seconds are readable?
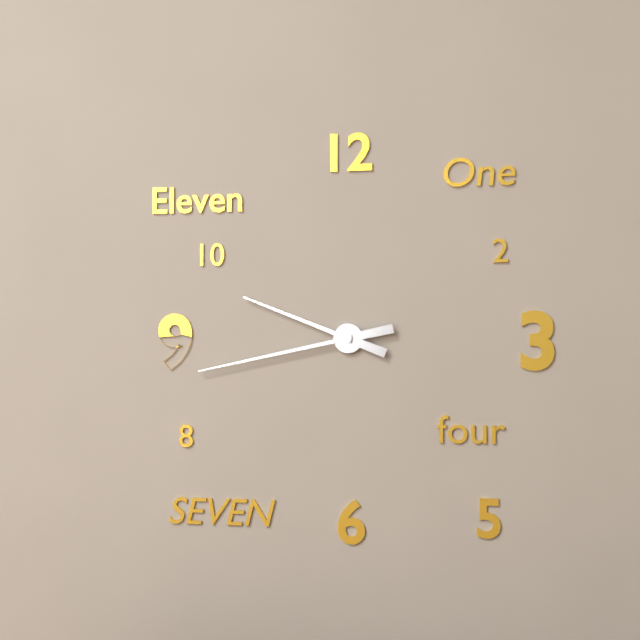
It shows 9:43
